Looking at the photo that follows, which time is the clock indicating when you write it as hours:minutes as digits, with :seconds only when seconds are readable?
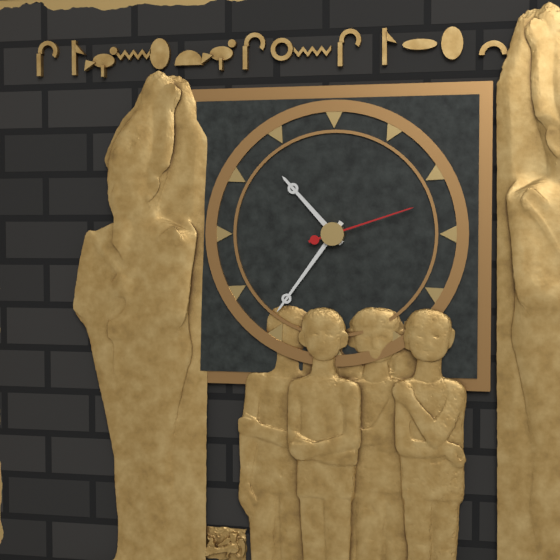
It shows 10:36:12
